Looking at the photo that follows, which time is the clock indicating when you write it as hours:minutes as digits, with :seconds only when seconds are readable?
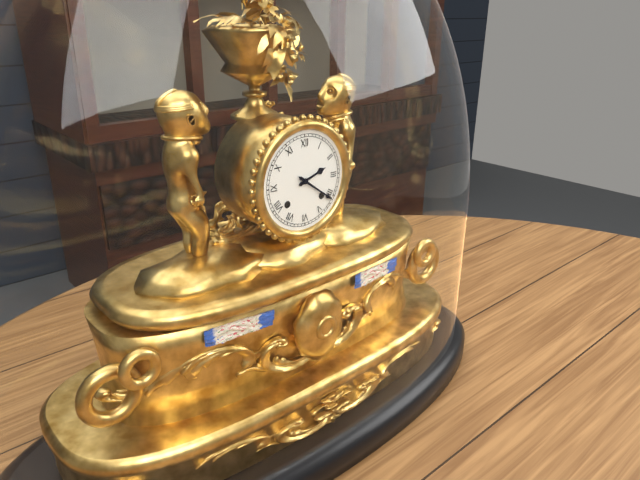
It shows 2:21
